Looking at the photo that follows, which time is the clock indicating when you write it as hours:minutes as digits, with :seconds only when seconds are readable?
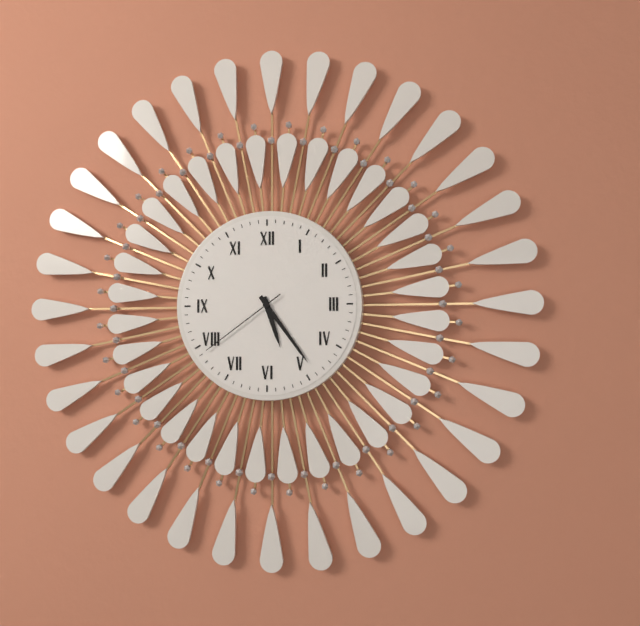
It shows 5:24:39
